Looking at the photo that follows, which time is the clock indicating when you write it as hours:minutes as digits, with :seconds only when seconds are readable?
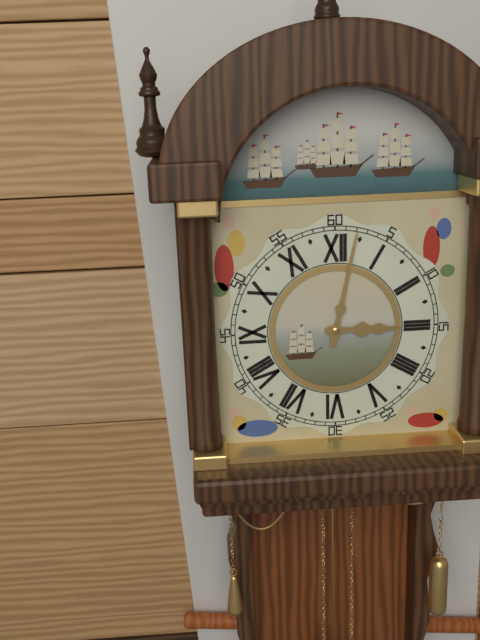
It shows 3:02
